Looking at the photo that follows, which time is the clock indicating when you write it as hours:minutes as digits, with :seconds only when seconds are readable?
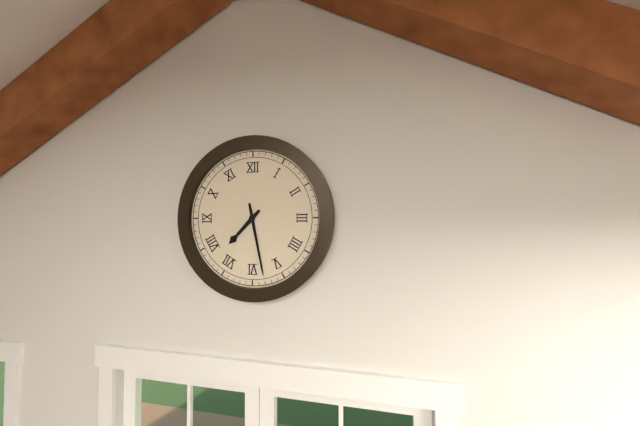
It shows 7:28
